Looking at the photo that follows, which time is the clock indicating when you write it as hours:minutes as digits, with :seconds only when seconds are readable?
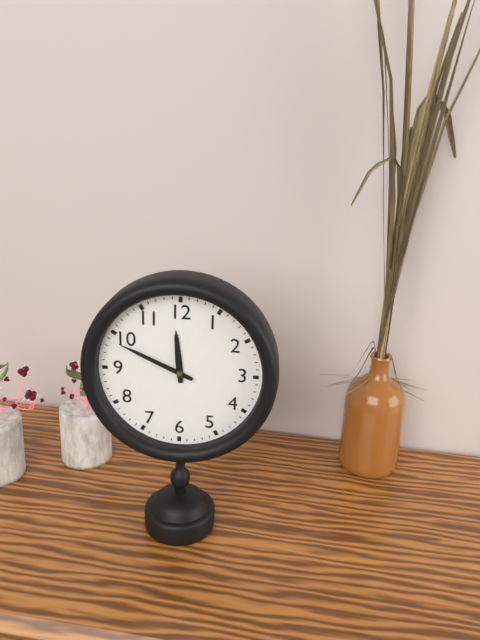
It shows 11:49
